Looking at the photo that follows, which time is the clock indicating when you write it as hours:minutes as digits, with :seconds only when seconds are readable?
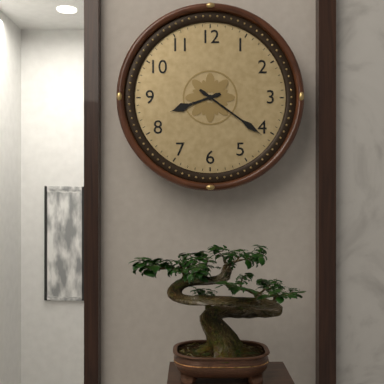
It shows 8:21
